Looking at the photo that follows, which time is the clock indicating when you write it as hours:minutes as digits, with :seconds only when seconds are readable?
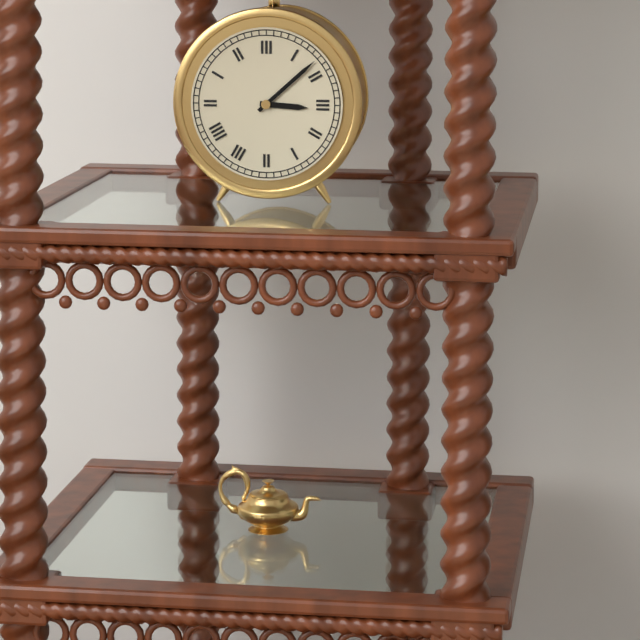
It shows 3:08
